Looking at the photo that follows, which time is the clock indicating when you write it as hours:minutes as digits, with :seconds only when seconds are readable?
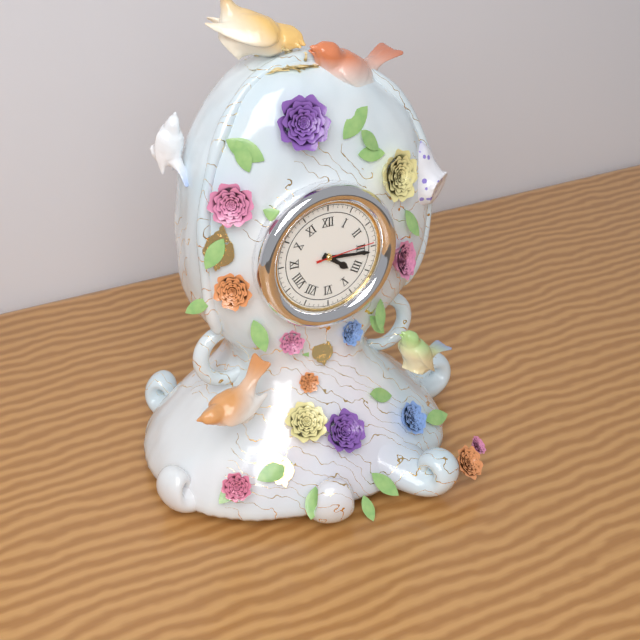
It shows 4:16:14
